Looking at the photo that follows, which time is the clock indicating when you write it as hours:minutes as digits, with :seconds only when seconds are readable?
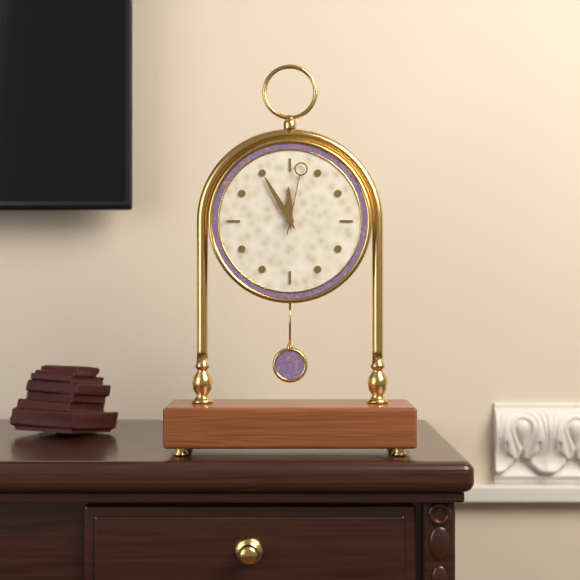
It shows 11:55:02
